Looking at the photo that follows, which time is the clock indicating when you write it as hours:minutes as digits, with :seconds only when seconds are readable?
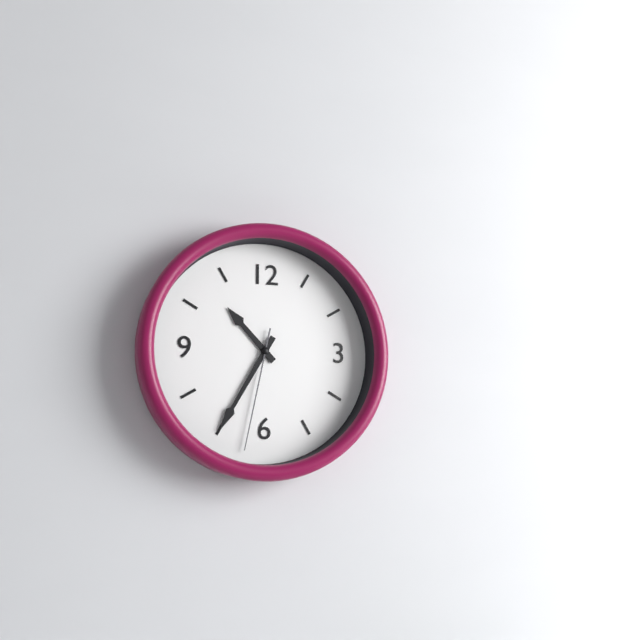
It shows 10:35:32
